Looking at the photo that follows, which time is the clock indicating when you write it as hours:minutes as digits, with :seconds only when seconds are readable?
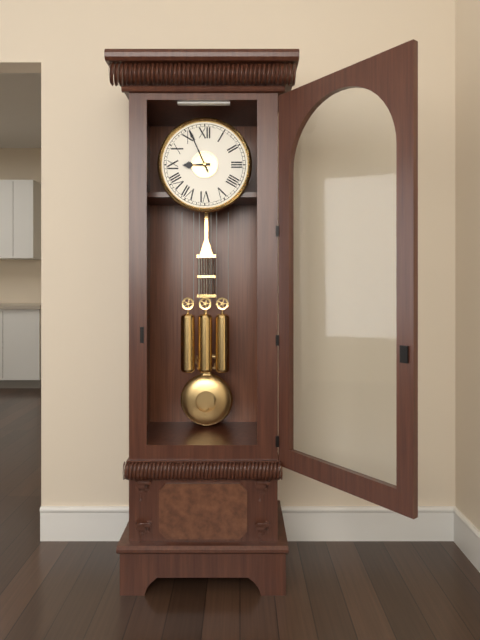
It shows 8:56
